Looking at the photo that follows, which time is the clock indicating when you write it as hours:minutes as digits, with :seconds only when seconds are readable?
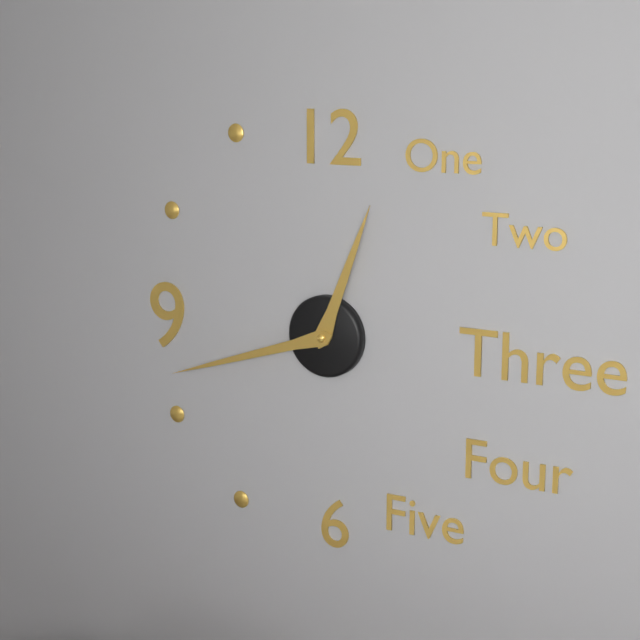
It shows 12:42
